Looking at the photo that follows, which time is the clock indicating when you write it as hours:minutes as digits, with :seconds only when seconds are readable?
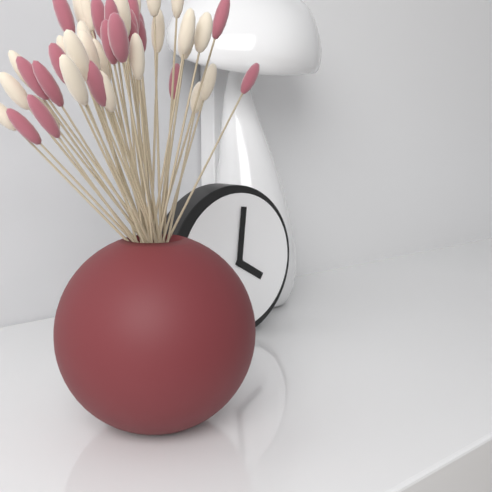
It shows 4:01
